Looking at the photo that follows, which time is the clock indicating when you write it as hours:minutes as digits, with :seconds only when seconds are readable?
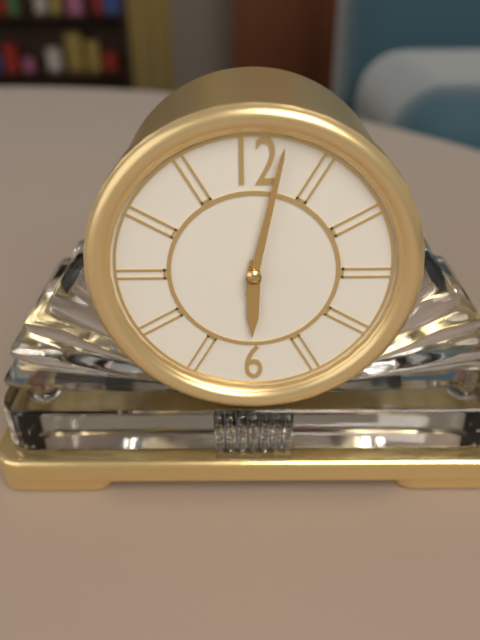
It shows 6:02
